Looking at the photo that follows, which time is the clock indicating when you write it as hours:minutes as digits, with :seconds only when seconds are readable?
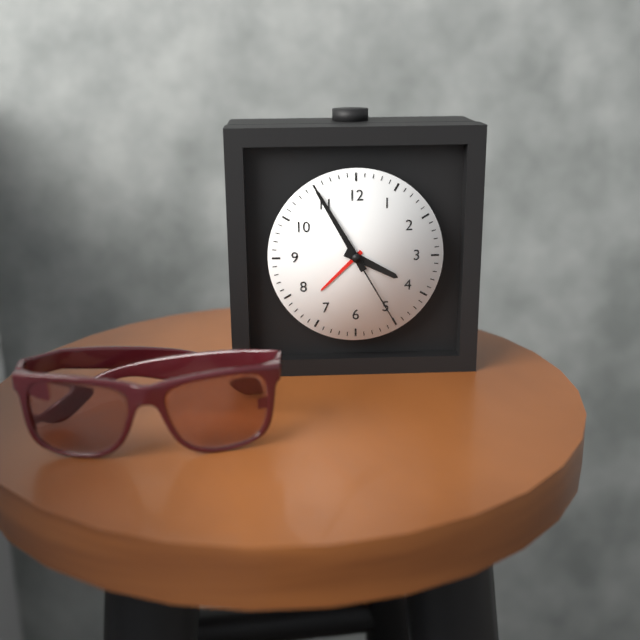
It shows 3:55:25
